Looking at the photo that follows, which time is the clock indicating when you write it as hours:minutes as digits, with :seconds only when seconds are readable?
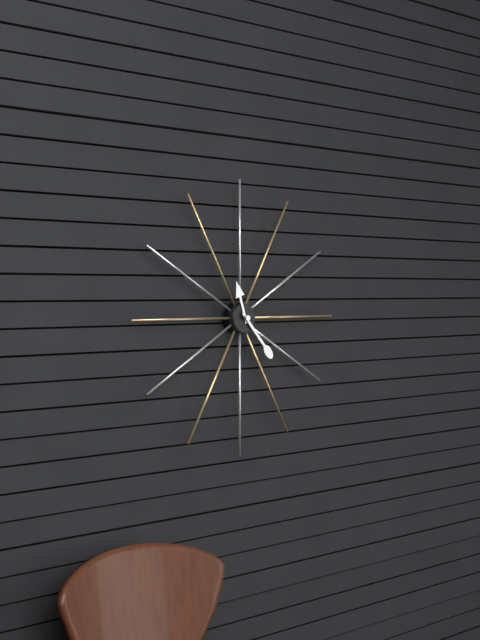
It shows 11:23
